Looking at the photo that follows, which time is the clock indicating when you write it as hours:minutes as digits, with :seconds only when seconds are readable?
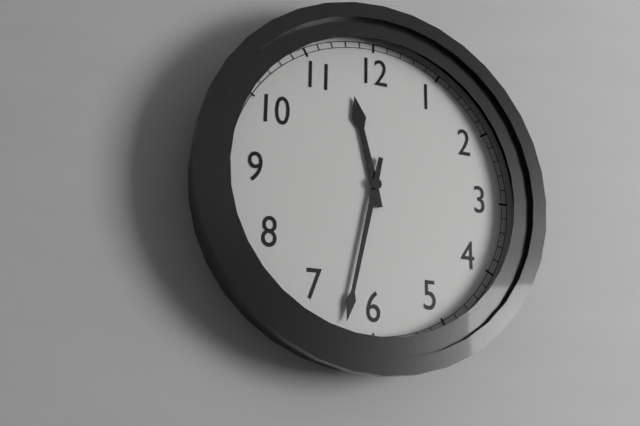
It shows 11:32
